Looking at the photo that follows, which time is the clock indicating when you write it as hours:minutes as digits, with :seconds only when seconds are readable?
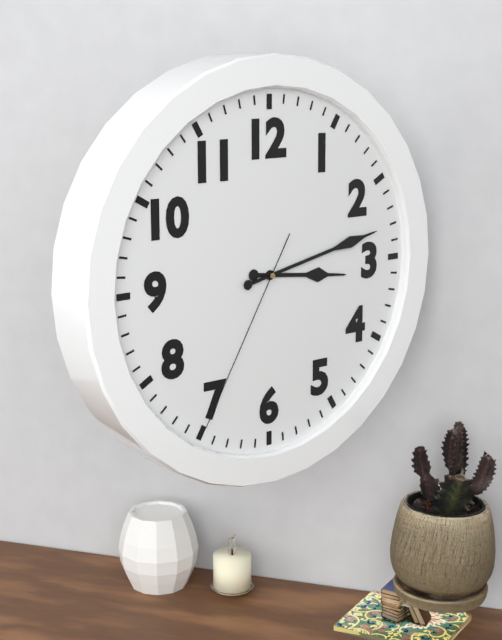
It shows 3:13:35
